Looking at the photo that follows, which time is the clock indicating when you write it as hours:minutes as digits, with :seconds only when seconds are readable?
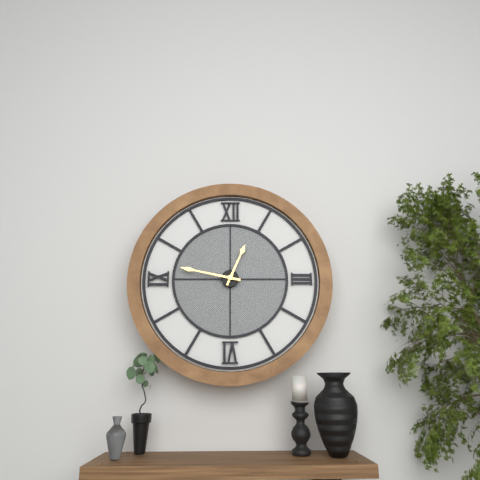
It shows 12:47
